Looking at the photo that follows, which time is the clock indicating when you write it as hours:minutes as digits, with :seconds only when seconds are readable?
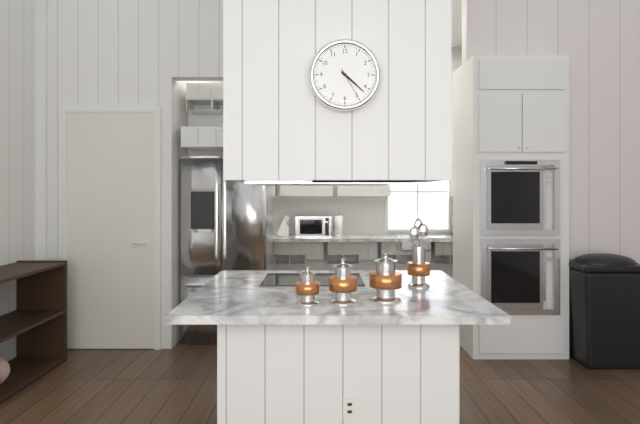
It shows 4:22
